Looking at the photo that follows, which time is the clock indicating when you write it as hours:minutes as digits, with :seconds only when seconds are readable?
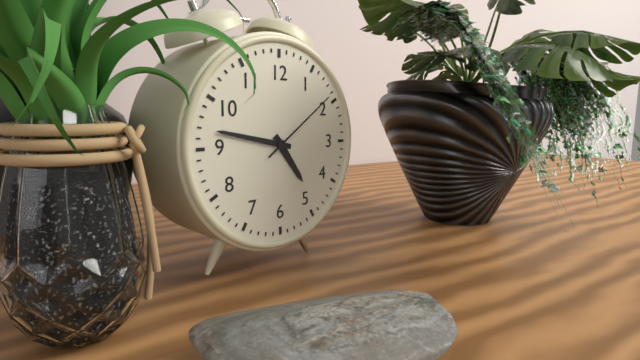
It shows 4:47:09
